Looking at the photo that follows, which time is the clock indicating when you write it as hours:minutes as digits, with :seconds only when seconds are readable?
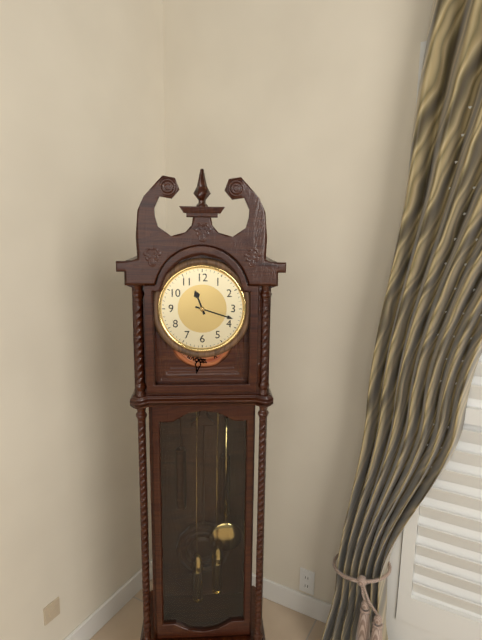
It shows 11:18
